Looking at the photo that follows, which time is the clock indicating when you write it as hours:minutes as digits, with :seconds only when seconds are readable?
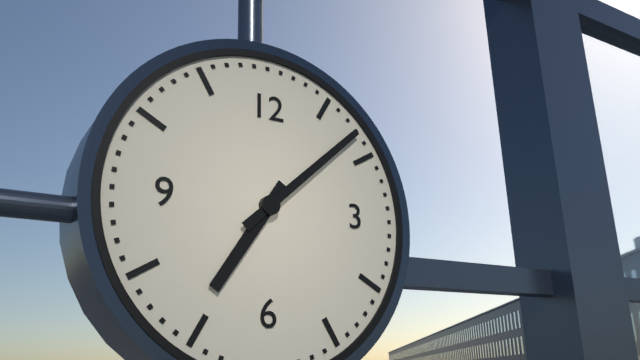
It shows 7:08
